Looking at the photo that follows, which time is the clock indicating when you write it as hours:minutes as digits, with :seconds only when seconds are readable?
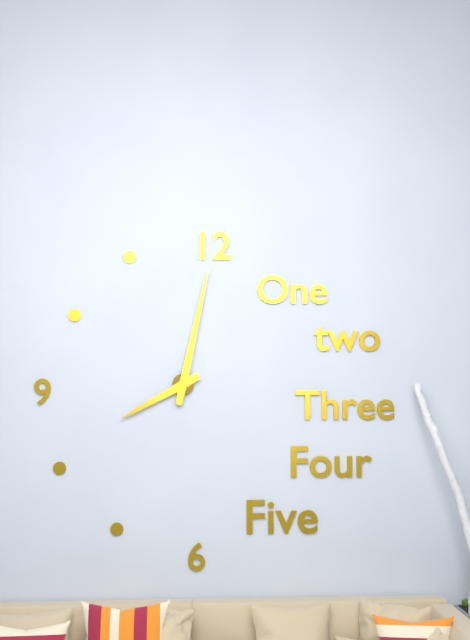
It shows 8:02
